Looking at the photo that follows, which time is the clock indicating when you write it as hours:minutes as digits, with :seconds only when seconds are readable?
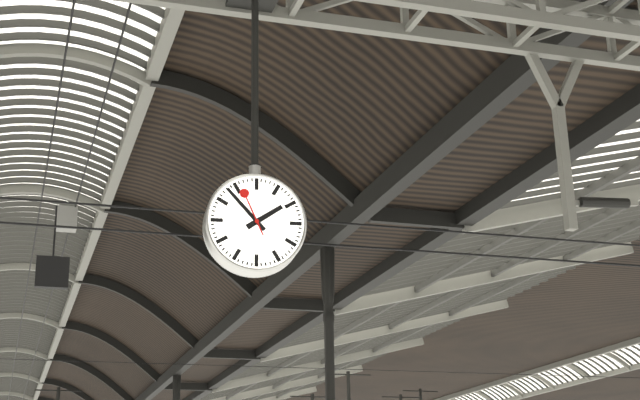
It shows 1:53
